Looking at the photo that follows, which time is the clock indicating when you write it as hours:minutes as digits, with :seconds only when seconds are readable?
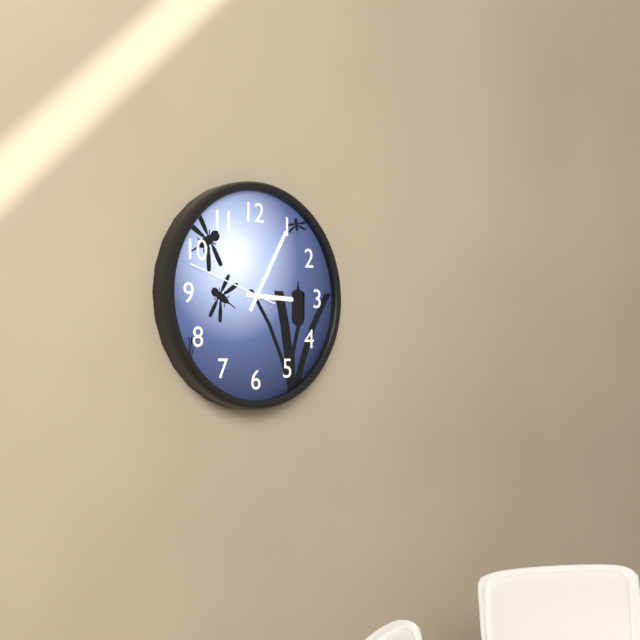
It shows 3:05:48
